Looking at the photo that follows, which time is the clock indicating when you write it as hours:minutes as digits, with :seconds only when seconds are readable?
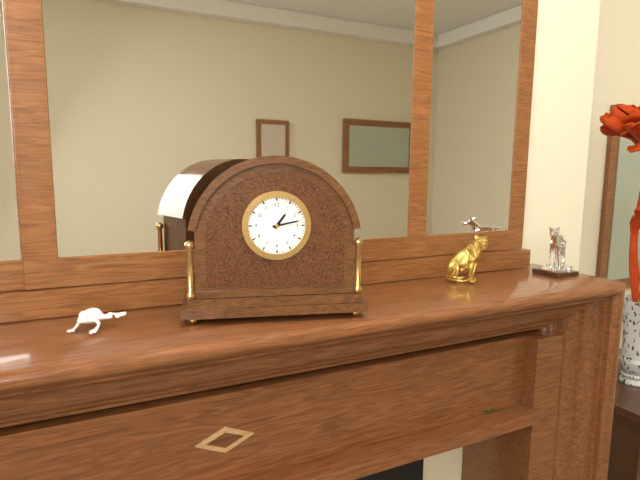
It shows 1:13
